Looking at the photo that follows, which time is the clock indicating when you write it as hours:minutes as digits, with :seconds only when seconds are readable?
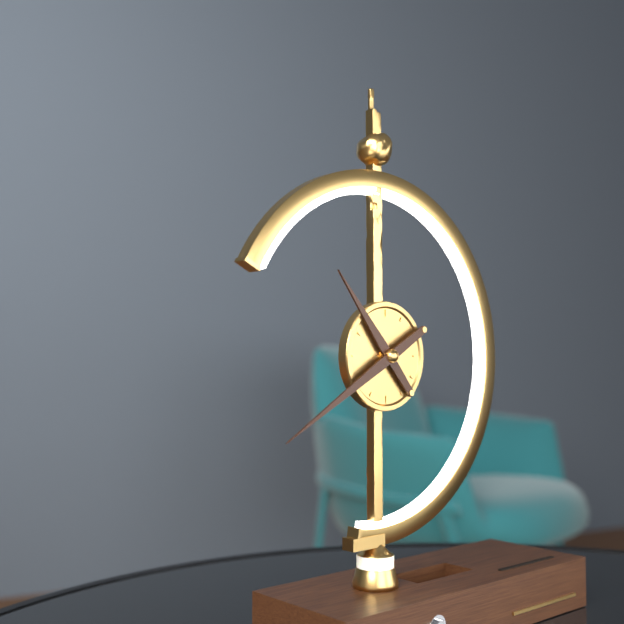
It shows 10:40
